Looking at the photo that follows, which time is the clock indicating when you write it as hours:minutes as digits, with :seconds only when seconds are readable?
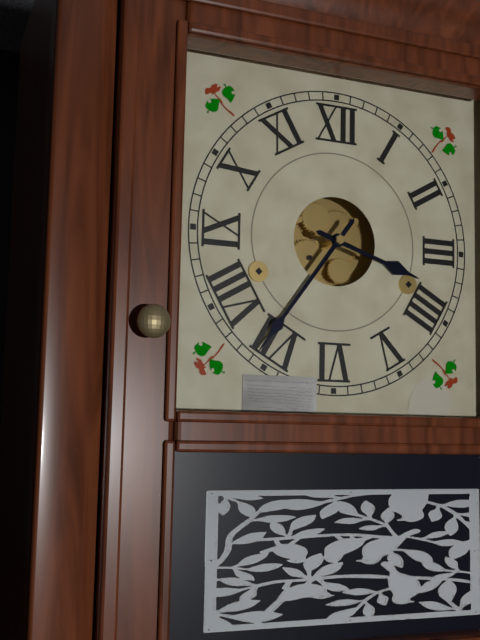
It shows 3:36
